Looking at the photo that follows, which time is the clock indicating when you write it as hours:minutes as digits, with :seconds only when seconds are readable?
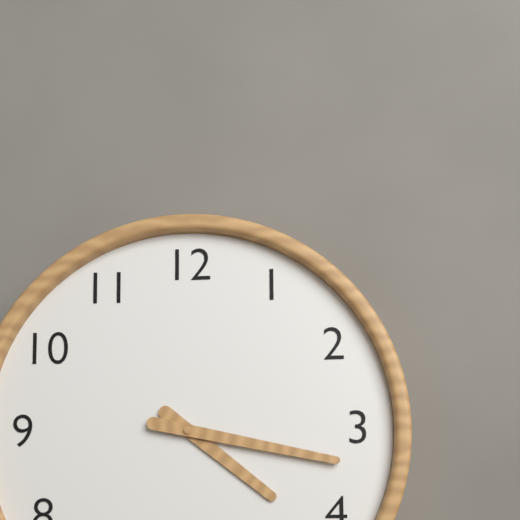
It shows 4:17
